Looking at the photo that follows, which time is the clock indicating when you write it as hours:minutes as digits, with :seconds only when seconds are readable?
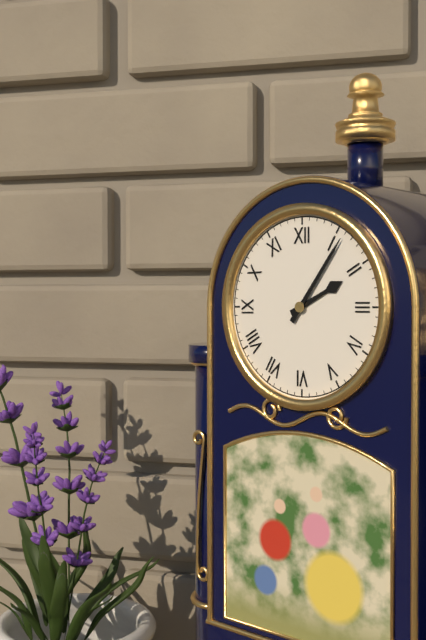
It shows 2:06
